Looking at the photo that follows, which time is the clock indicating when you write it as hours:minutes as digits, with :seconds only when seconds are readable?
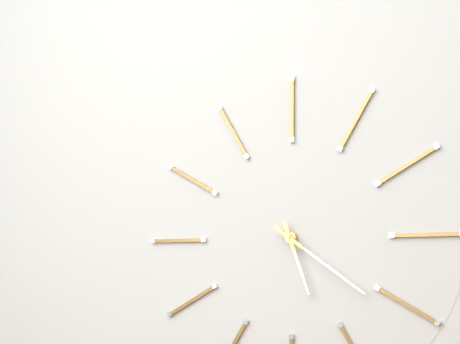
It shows 5:21
